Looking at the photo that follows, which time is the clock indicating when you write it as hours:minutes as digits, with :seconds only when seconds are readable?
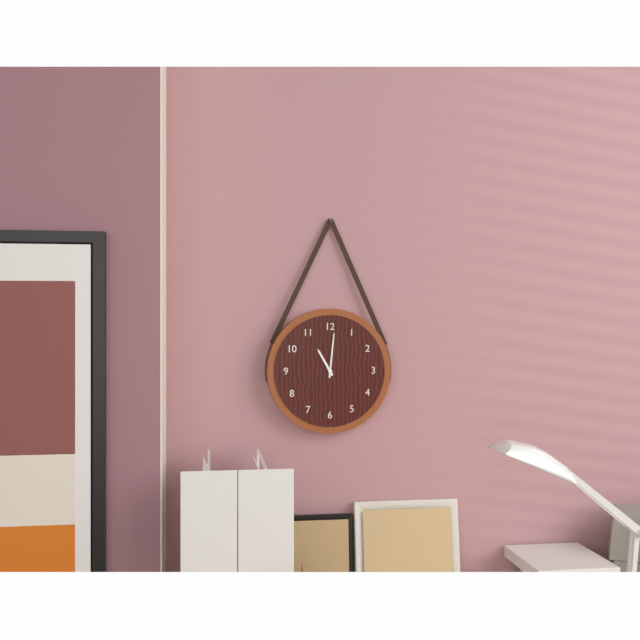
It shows 11:01
